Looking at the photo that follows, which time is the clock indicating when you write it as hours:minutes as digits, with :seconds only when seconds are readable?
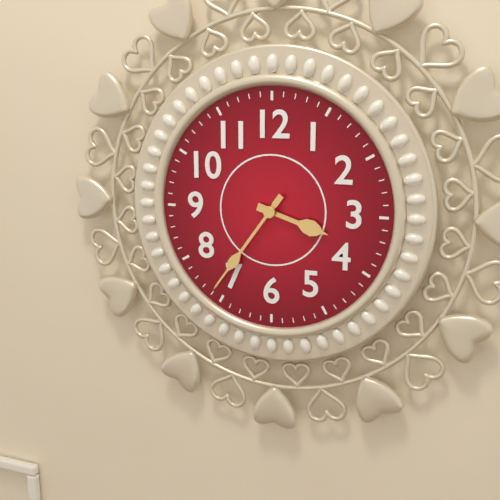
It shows 3:36
